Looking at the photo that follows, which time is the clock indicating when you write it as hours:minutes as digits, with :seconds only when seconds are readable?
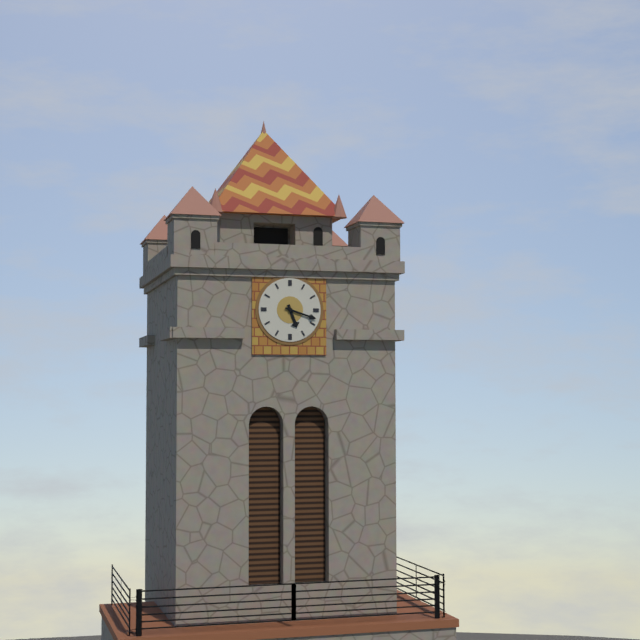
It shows 5:18
